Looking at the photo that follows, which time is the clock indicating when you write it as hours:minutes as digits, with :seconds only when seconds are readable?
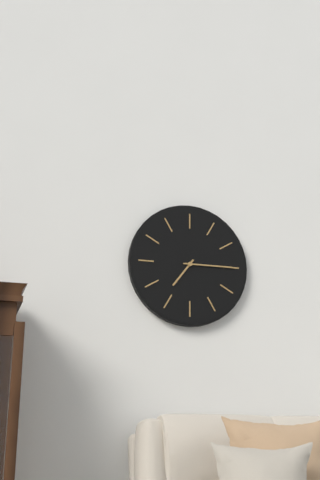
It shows 7:15
